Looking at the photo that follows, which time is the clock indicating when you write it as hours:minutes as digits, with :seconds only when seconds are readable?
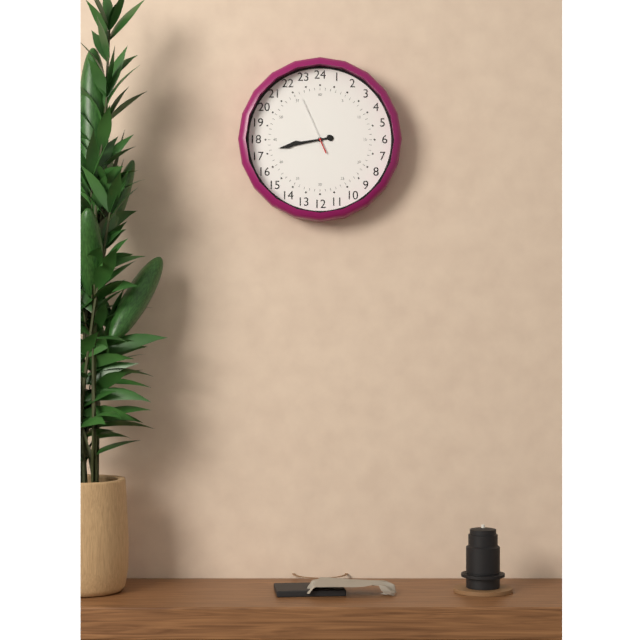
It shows 8:43:56
